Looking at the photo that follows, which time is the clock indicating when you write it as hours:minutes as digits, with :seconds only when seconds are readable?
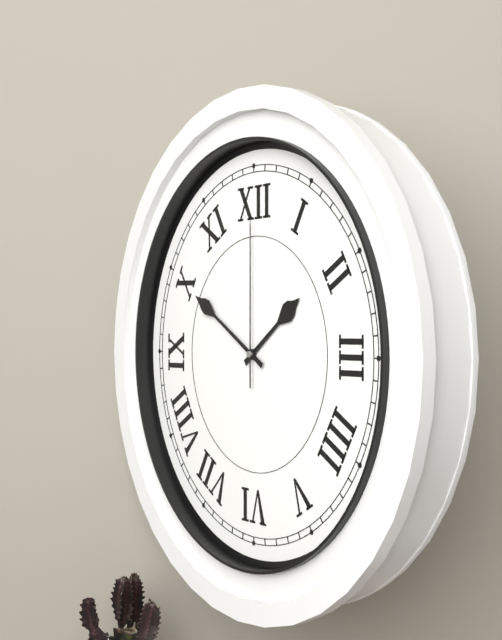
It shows 1:50:00
